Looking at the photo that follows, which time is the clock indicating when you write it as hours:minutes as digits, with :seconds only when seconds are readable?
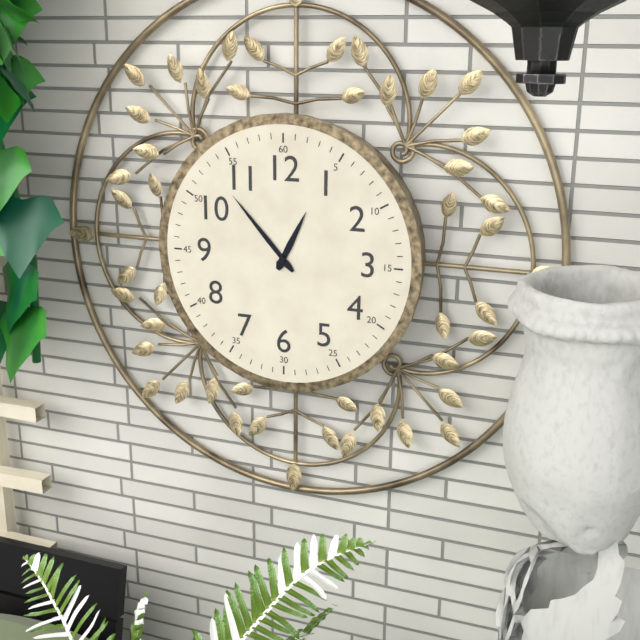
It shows 12:53
